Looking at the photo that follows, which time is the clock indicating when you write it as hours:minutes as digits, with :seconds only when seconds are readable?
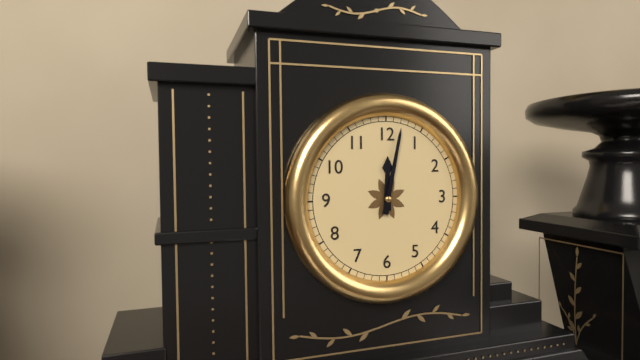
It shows 12:02
